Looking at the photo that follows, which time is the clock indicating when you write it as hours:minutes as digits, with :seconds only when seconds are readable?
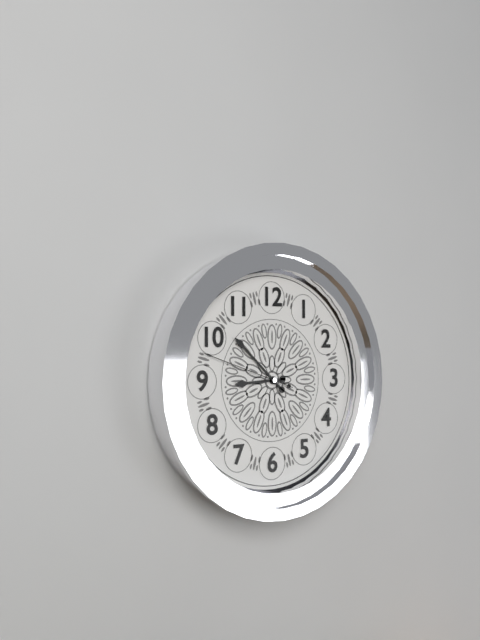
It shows 8:52:48
